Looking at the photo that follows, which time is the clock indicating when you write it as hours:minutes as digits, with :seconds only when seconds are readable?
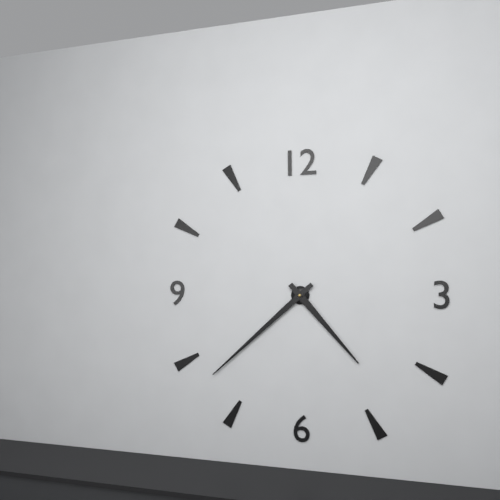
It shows 4:38
